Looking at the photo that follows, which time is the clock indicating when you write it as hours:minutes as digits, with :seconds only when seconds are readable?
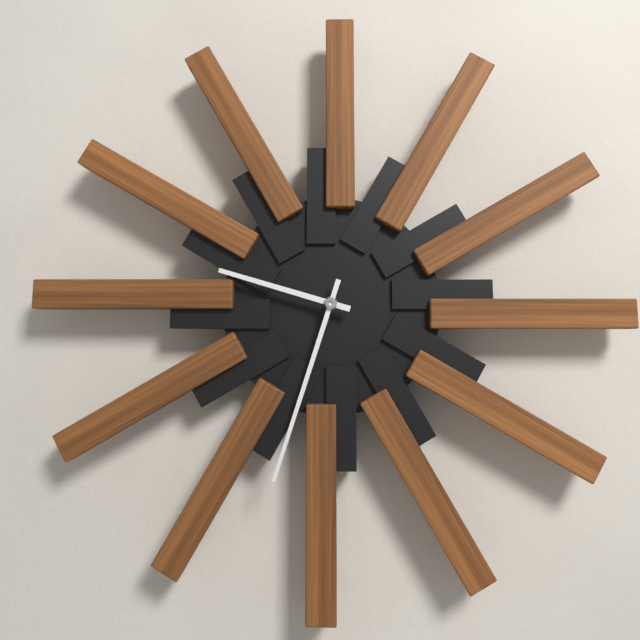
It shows 9:33
